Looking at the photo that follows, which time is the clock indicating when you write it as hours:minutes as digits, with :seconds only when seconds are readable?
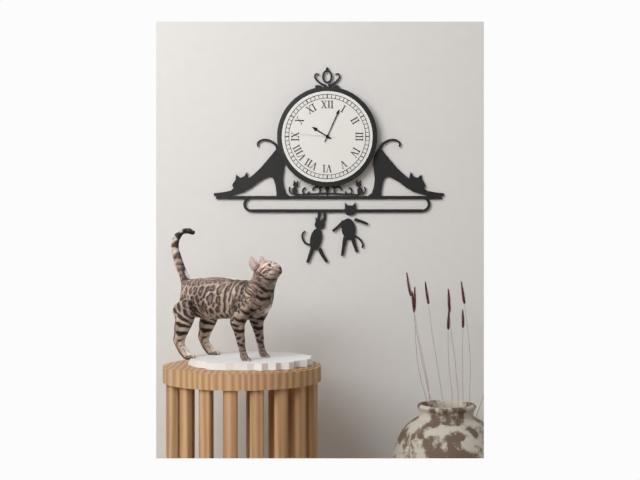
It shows 10:04
